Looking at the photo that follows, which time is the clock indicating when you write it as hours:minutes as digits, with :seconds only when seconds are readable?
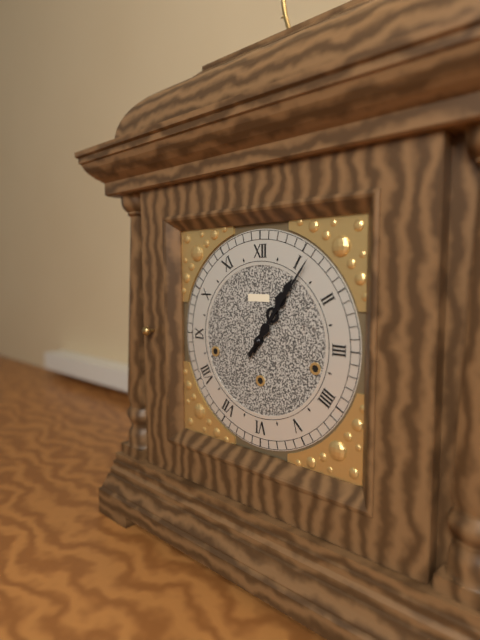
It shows 1:06
